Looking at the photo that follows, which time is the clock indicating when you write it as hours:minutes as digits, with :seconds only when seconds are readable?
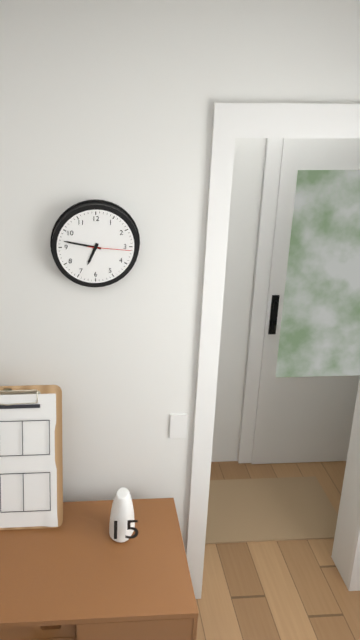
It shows 6:47
